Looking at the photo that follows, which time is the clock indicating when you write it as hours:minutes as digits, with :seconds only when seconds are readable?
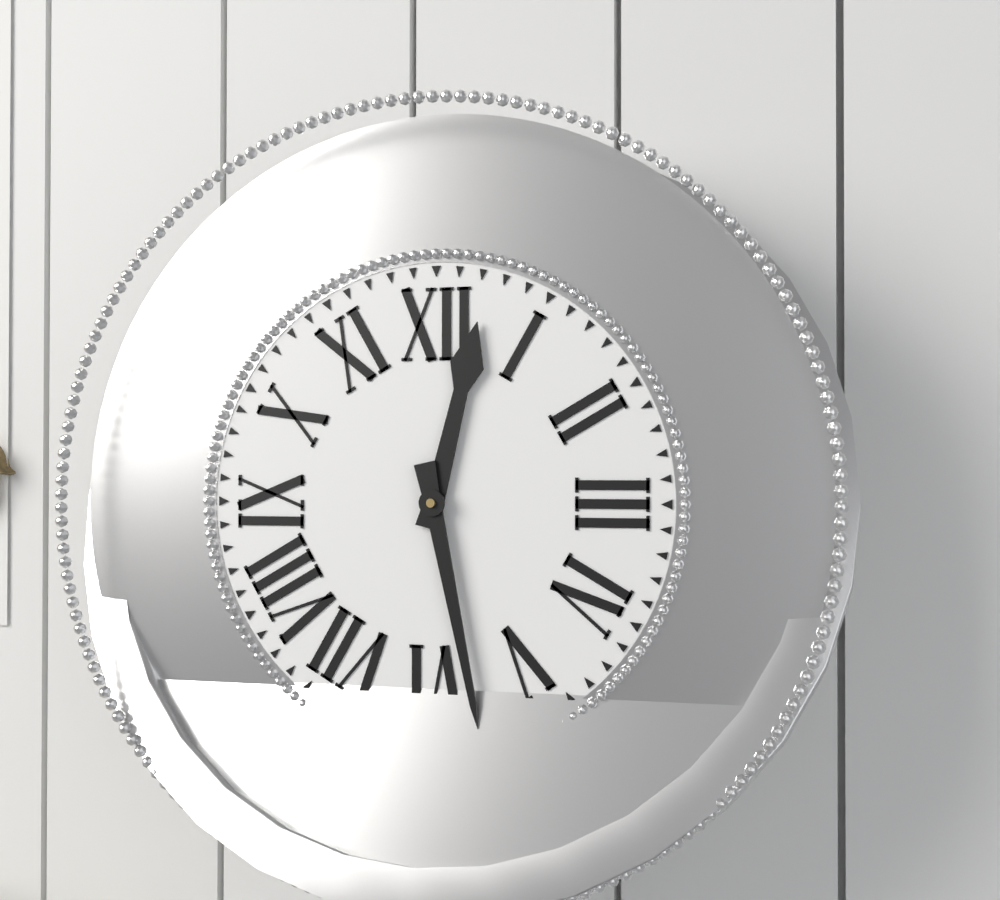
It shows 12:28
